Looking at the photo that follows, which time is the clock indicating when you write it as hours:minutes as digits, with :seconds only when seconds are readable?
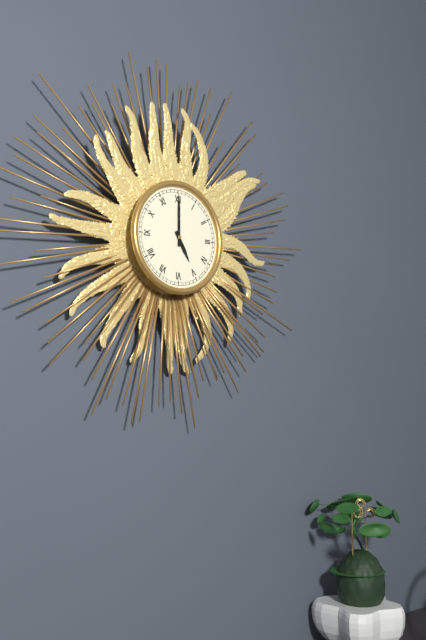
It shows 5:00
